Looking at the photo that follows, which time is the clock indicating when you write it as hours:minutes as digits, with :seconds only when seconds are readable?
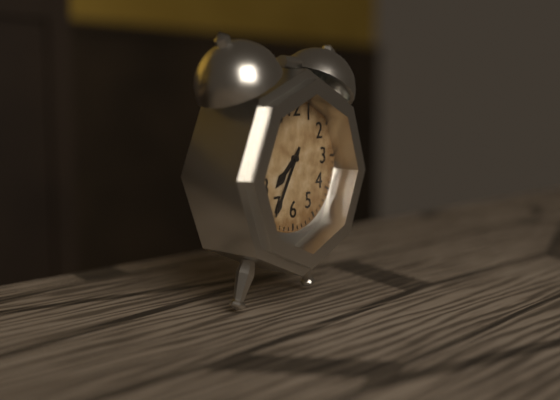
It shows 7:35
